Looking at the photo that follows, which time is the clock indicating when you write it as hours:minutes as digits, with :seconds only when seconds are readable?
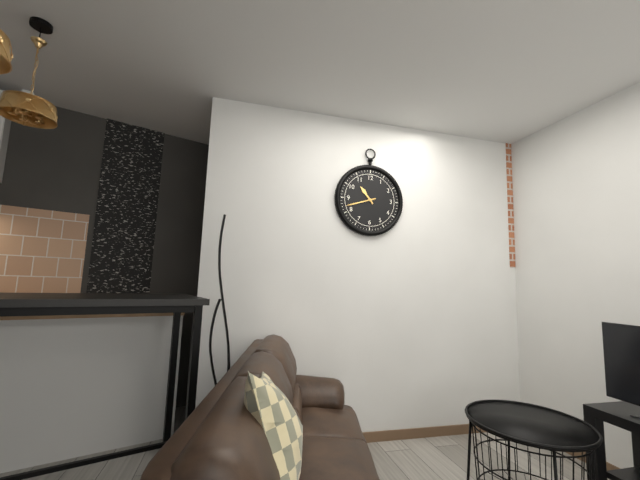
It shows 10:42
